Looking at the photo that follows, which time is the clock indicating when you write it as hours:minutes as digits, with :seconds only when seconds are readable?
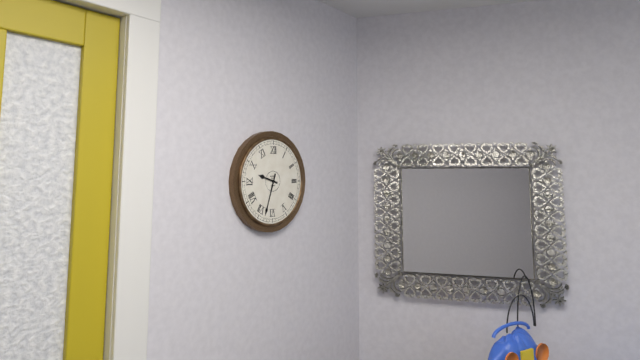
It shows 9:33
